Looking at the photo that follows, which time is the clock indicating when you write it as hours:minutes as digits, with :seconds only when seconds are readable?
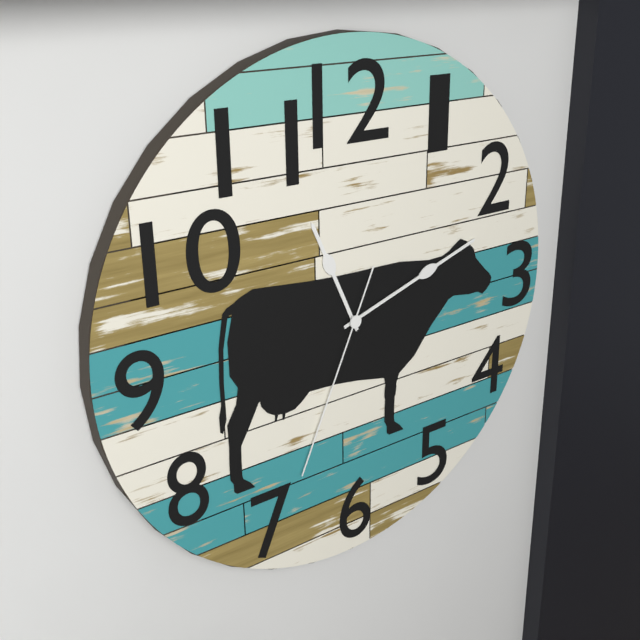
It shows 11:12:34
